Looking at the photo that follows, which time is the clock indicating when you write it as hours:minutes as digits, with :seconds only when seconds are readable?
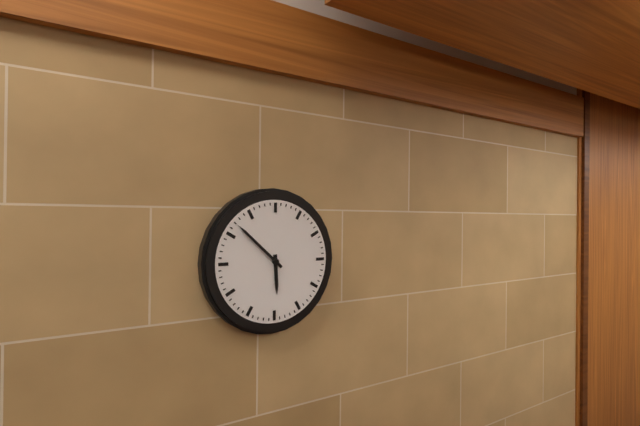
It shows 5:52
